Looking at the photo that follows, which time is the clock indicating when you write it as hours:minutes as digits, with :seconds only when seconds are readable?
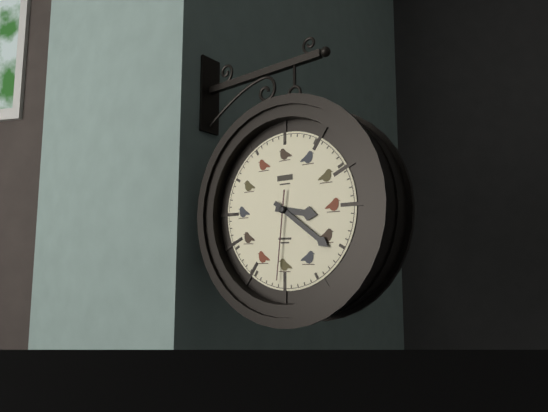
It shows 3:21:31
